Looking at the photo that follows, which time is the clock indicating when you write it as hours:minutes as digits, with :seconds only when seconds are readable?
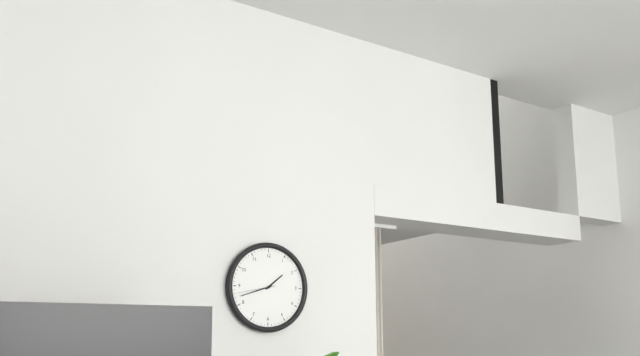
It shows 1:42
